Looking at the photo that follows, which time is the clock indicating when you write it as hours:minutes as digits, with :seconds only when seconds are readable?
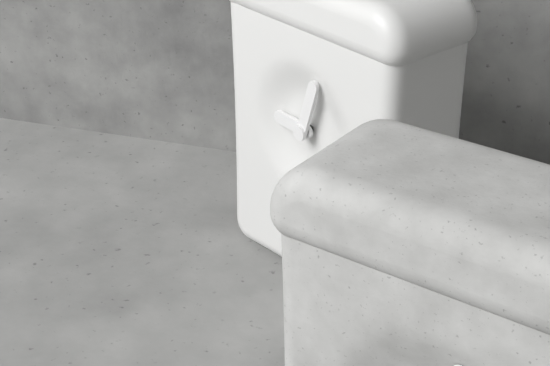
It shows 9:03
